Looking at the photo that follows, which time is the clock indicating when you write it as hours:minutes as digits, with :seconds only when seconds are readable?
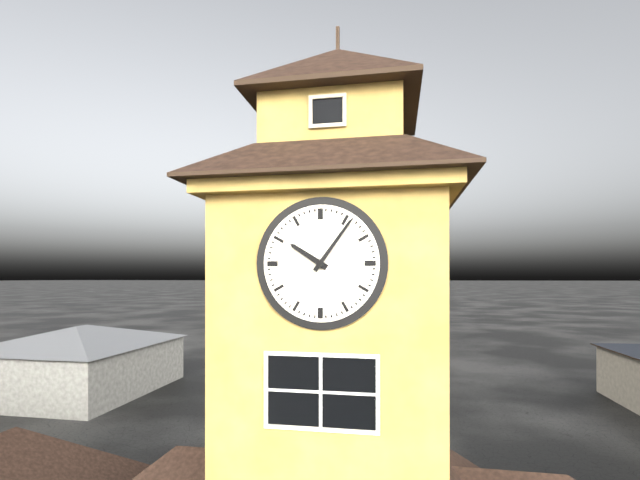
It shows 10:06
